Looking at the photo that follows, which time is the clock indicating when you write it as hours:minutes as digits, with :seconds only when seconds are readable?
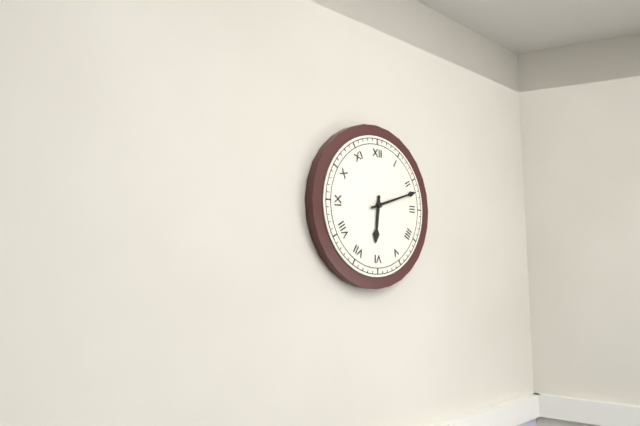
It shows 6:12
